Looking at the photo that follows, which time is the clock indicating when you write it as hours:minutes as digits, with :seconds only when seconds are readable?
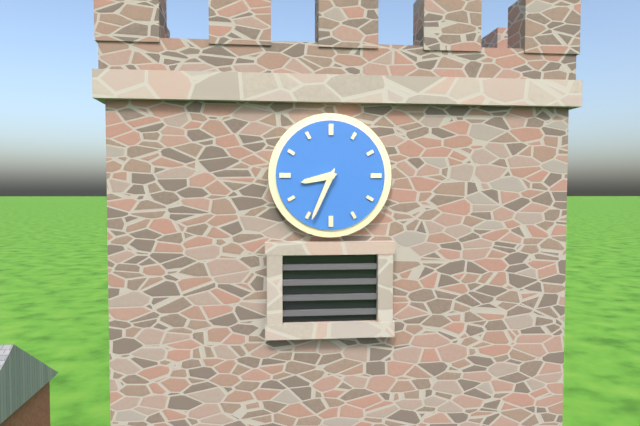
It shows 8:34
